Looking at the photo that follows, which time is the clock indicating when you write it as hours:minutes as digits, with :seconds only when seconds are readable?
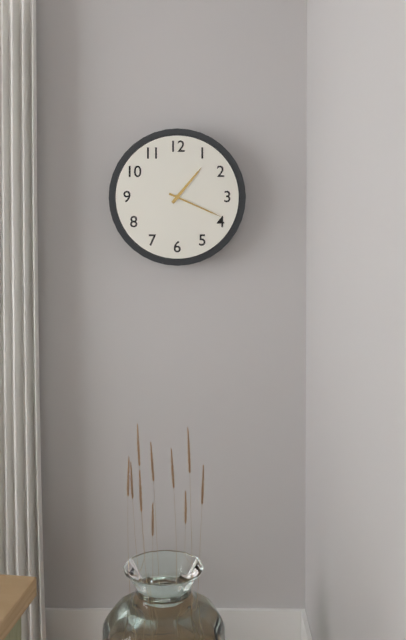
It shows 1:19
